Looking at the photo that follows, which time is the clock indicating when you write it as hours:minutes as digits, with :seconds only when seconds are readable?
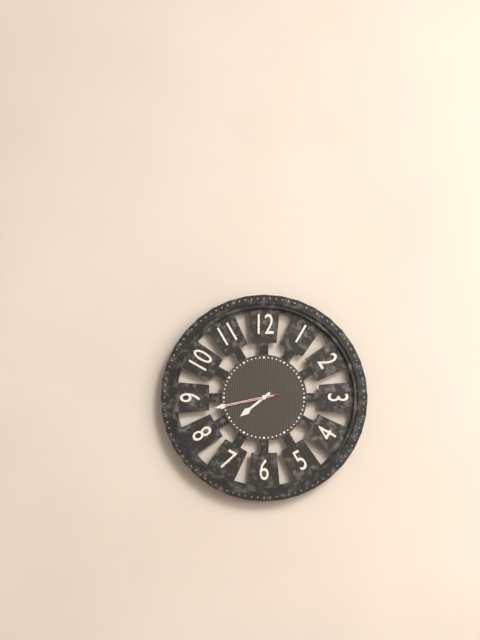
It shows 7:43:43
